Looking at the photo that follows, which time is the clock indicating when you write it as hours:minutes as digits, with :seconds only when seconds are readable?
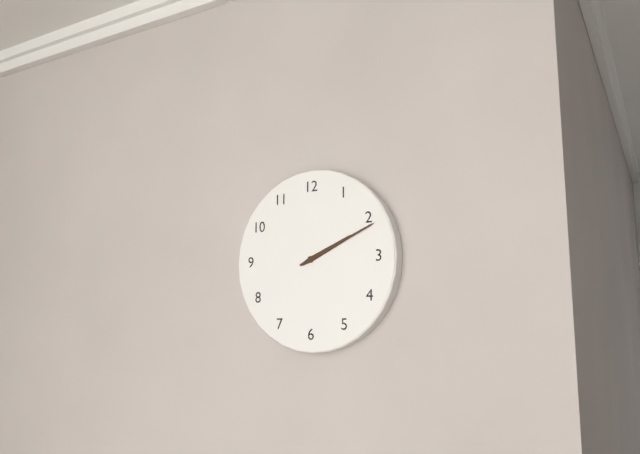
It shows 2:11
